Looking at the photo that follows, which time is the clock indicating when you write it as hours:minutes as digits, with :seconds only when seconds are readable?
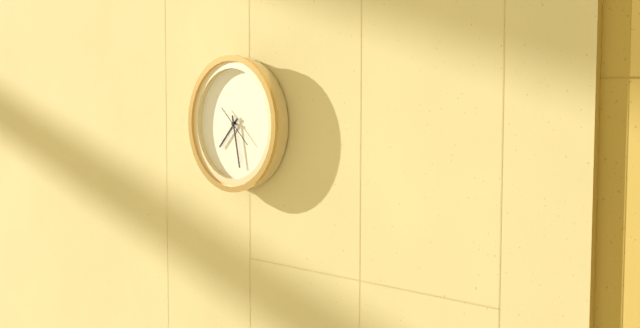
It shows 7:28
